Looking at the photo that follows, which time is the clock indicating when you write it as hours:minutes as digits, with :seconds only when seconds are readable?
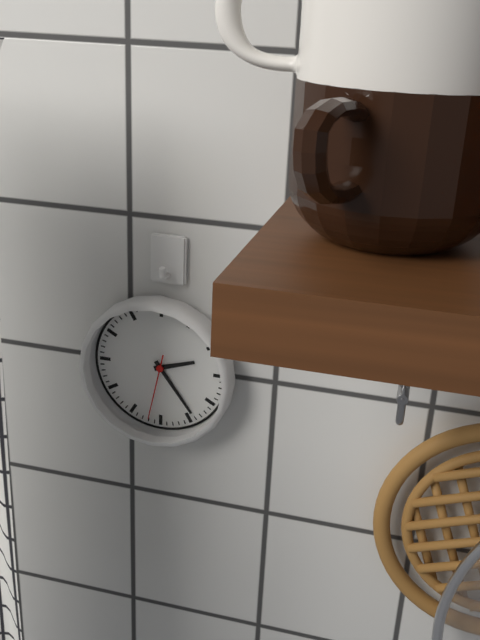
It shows 2:24:32
